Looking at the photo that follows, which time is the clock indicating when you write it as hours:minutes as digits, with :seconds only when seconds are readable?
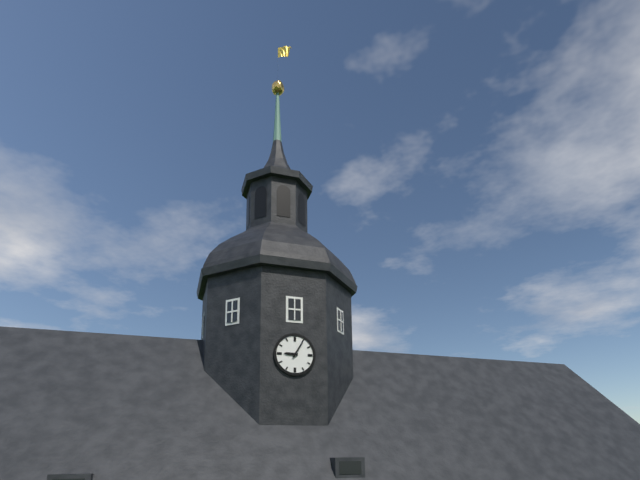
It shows 9:05
